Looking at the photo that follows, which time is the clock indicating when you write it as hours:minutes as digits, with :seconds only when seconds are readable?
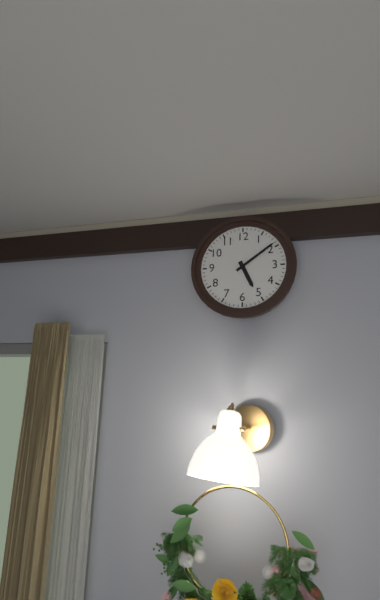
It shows 5:09
